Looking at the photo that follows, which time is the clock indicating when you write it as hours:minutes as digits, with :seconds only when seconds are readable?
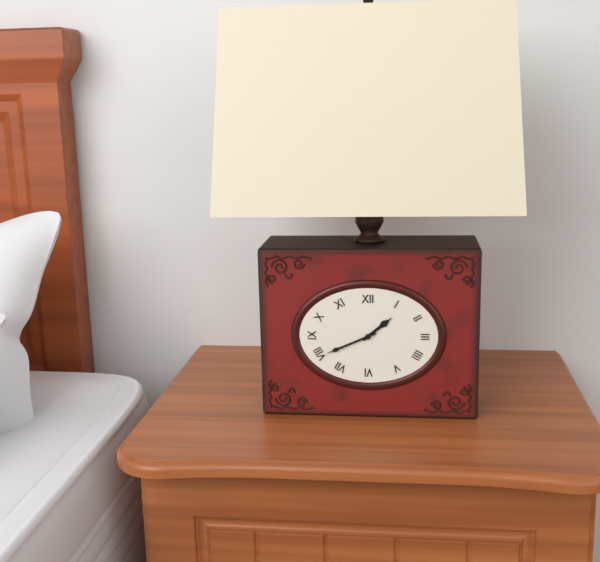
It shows 1:41
